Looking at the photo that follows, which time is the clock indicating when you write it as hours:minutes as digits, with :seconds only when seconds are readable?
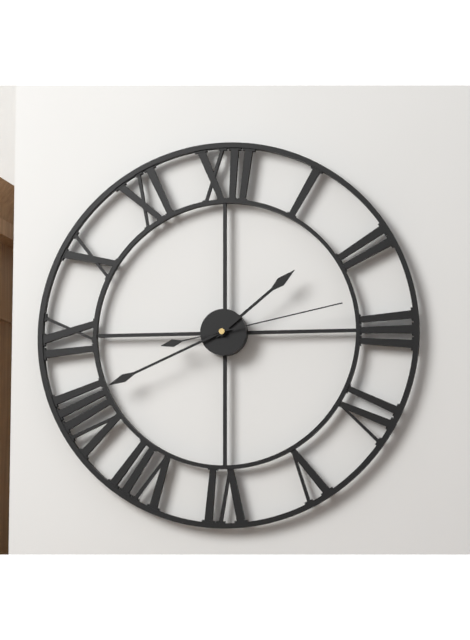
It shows 1:41:13
